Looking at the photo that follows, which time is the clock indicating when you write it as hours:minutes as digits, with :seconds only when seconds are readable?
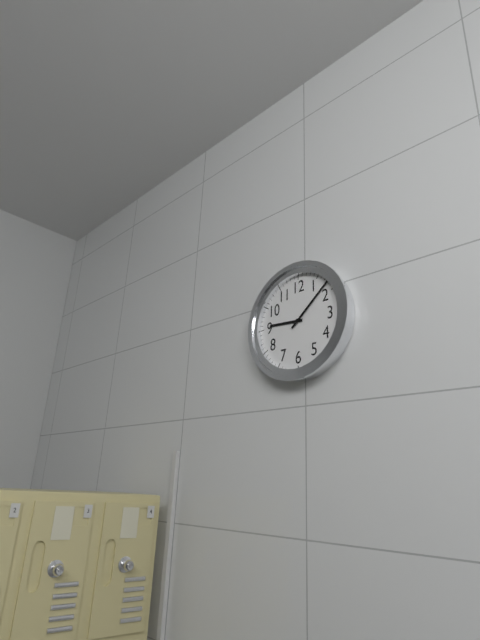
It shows 9:08
